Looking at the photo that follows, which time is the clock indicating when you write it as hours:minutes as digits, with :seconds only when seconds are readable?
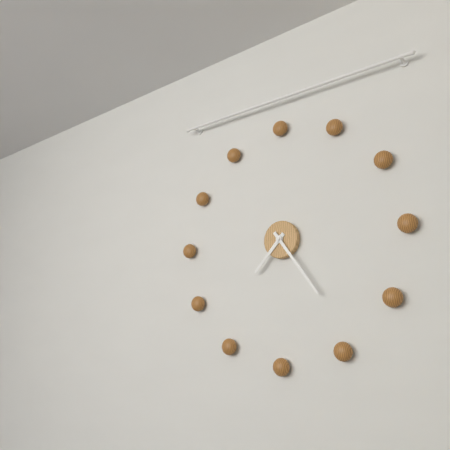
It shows 7:24
